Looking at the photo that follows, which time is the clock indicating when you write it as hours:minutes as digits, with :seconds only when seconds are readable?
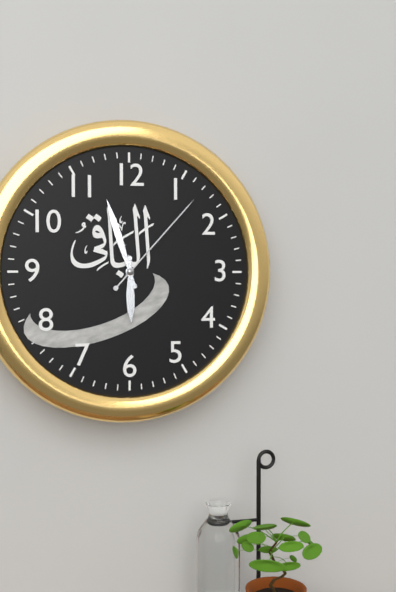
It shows 5:57:07
